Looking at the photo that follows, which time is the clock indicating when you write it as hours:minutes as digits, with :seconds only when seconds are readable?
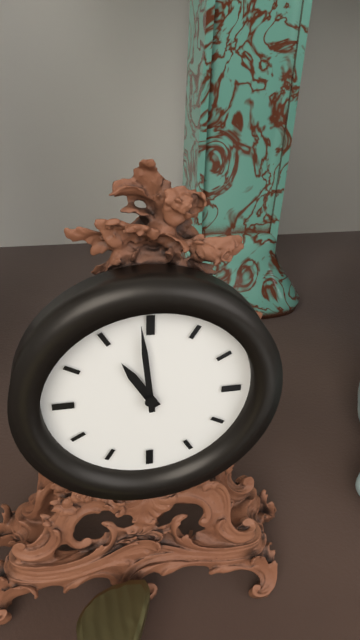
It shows 10:59
